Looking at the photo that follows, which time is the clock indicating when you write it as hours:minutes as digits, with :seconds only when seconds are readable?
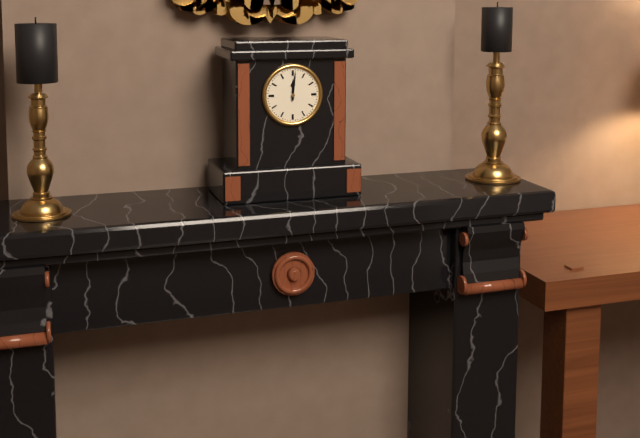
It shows 12:01
